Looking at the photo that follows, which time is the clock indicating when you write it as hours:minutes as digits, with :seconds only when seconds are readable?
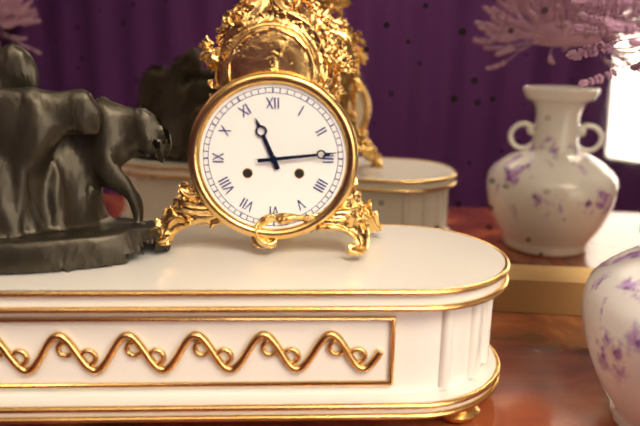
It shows 11:14
